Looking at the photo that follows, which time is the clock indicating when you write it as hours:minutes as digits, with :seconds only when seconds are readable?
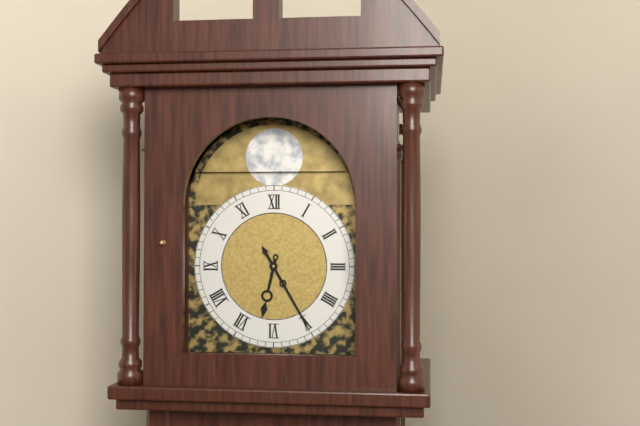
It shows 6:25
